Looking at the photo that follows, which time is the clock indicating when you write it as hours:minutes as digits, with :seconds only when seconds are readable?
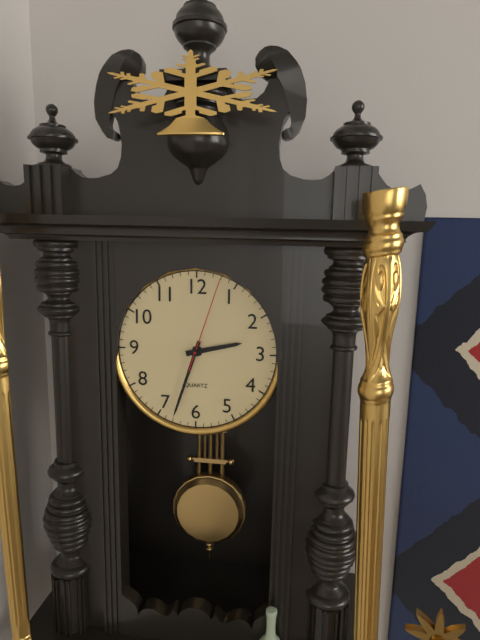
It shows 2:33:03
